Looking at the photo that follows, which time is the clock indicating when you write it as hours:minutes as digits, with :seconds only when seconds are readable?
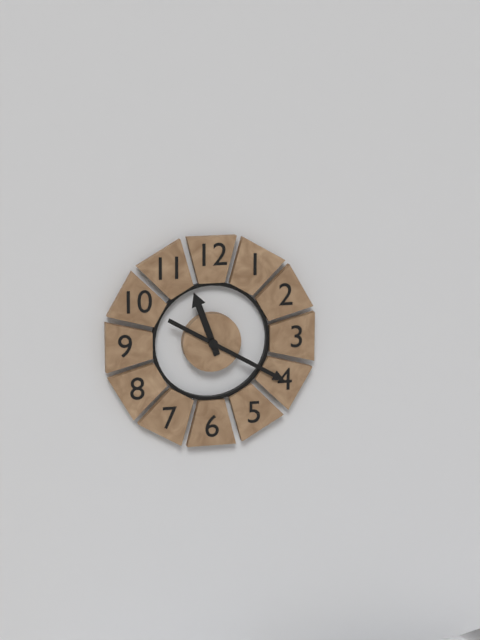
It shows 11:20
